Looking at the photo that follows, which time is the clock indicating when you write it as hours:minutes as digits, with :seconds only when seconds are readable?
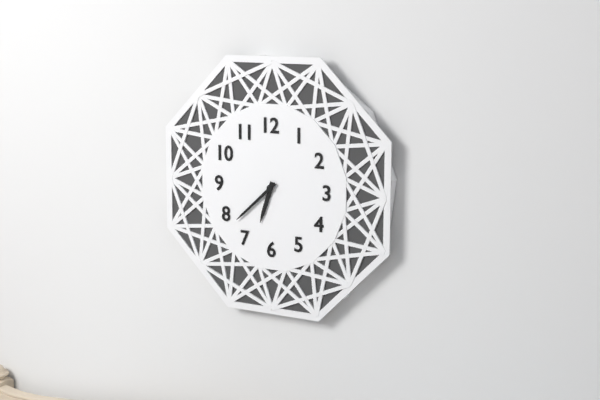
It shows 6:38
